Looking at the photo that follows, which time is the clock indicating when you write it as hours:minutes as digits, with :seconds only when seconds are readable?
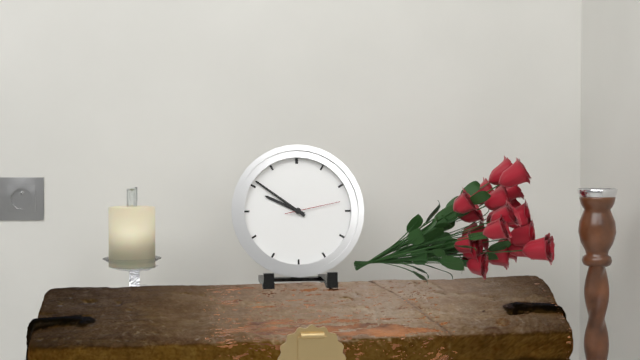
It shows 9:51:13
